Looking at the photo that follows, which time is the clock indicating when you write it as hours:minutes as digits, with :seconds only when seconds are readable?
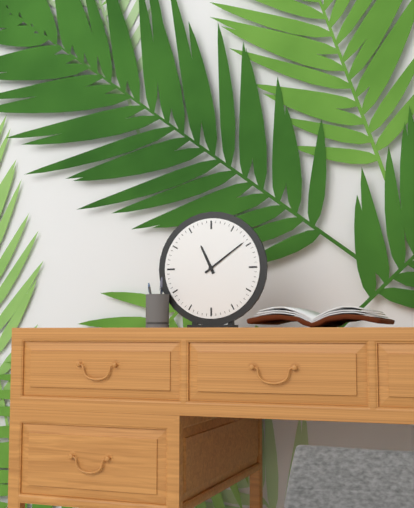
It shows 11:09
